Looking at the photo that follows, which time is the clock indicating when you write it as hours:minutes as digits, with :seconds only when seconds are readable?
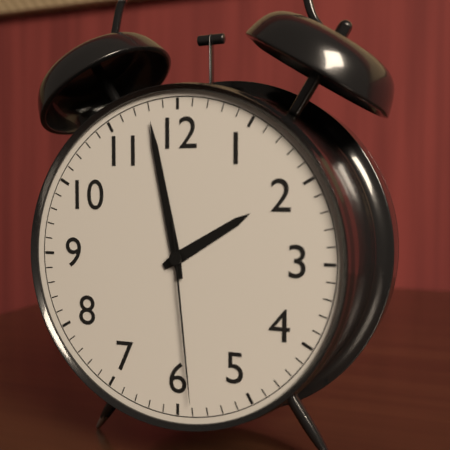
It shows 1:58:29
